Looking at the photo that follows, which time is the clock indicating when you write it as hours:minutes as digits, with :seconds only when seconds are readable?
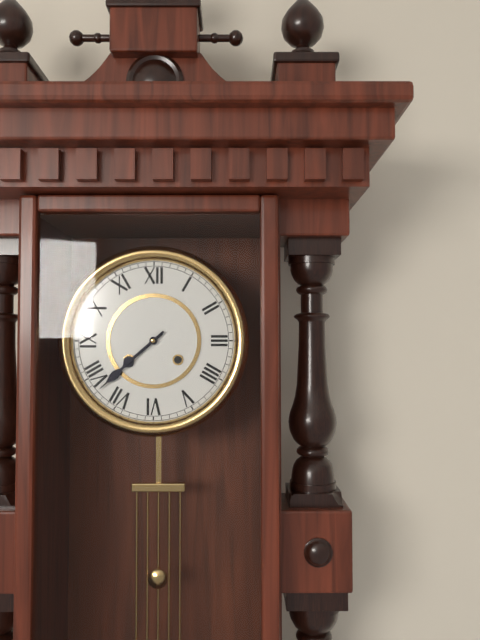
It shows 7:38
